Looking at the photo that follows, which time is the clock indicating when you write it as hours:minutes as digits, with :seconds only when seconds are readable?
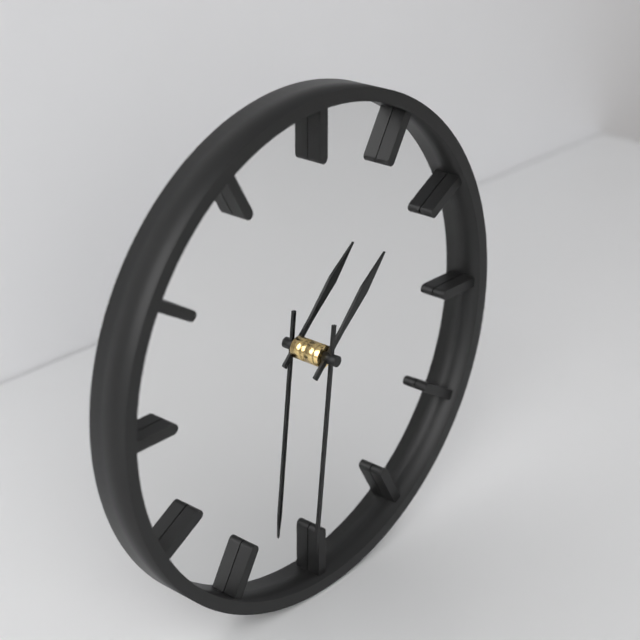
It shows 1:31
